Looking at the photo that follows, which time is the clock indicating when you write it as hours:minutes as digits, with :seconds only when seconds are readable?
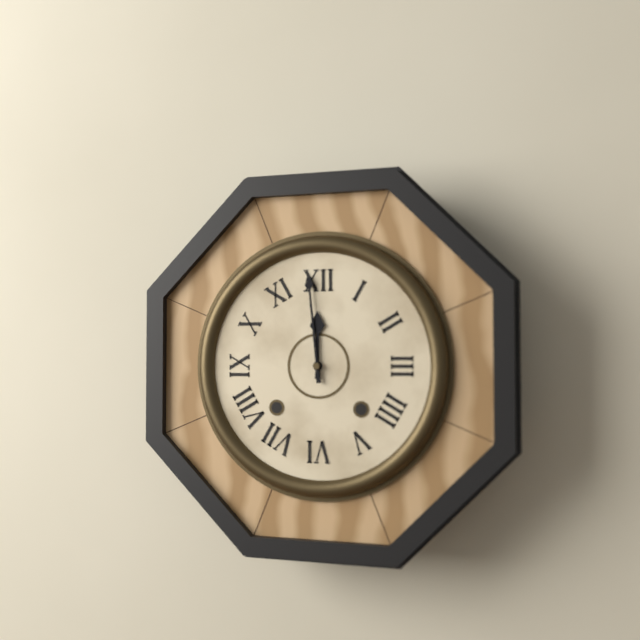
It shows 11:59
